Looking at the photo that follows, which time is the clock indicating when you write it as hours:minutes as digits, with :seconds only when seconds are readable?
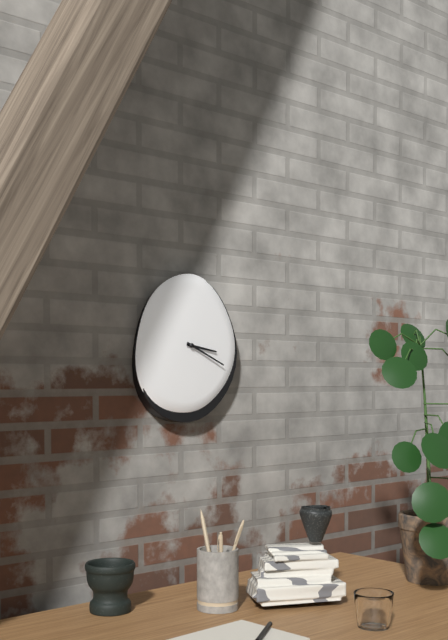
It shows 3:19
